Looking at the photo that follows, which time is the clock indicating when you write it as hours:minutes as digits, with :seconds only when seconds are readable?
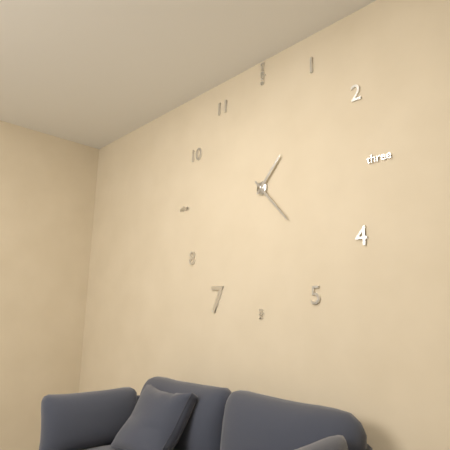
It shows 1:23
